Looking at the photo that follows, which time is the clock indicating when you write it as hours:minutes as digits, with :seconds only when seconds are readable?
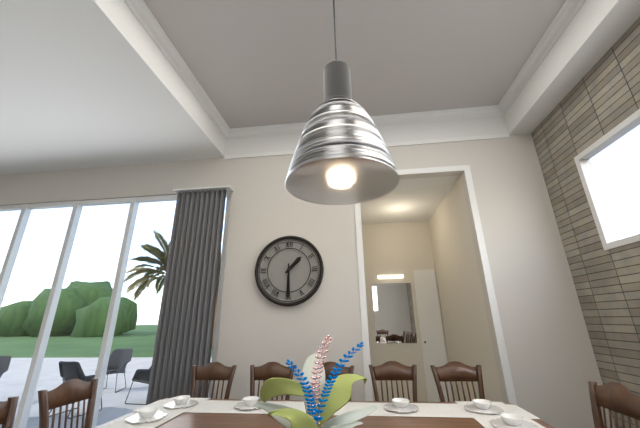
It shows 1:30
